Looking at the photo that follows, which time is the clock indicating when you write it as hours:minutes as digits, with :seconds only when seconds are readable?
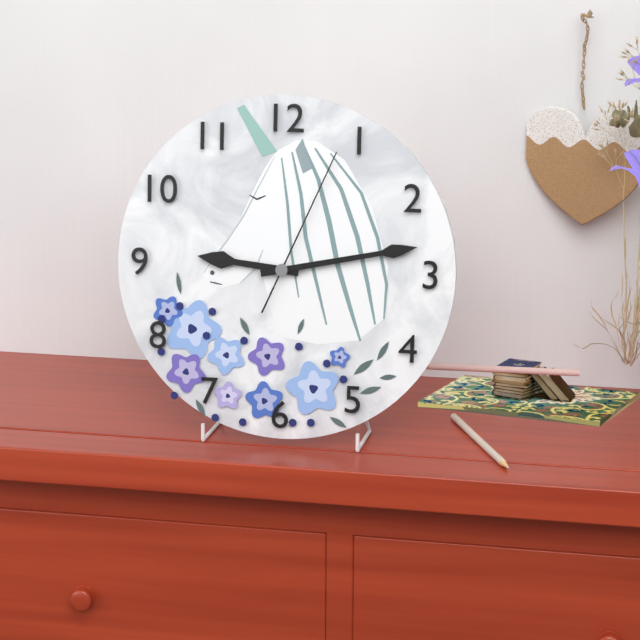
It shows 9:13:04
